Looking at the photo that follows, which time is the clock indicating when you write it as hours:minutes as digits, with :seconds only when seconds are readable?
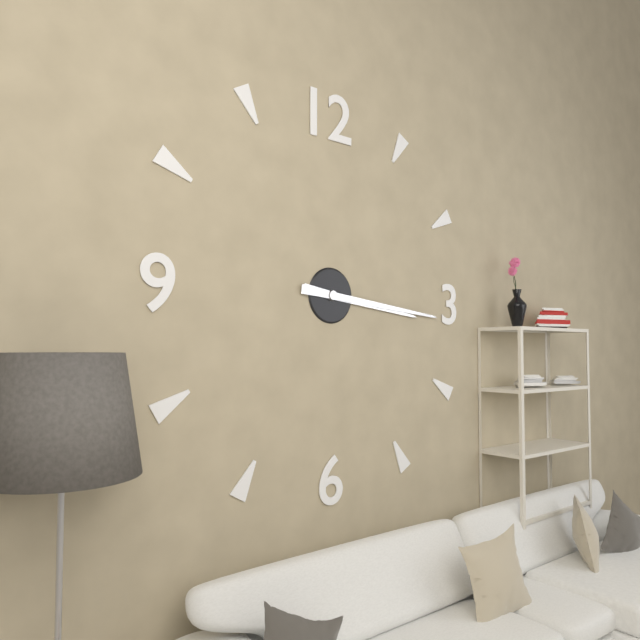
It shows 3:16
